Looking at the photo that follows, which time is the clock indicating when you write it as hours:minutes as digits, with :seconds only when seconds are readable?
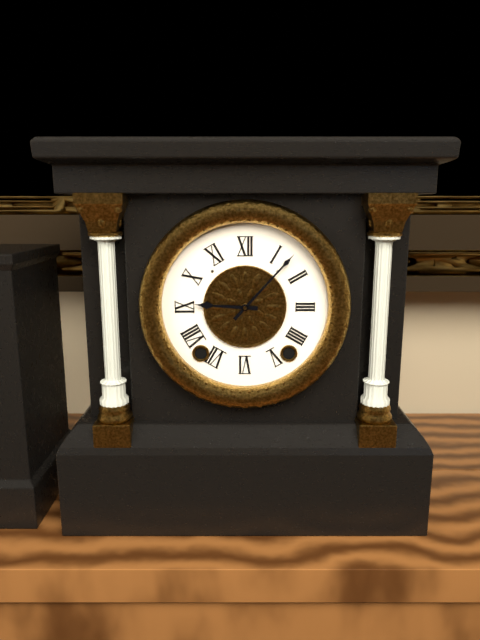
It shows 9:07
